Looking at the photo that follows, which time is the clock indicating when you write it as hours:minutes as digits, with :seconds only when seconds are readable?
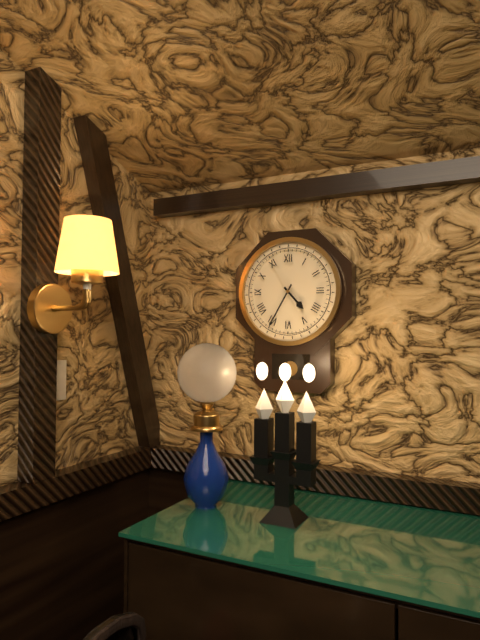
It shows 4:35
